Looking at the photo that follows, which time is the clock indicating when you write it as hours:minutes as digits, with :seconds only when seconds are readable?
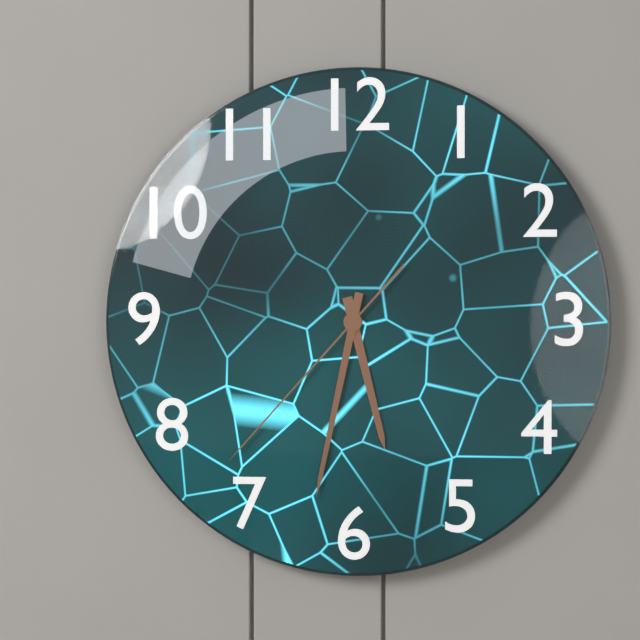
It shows 5:32:37
